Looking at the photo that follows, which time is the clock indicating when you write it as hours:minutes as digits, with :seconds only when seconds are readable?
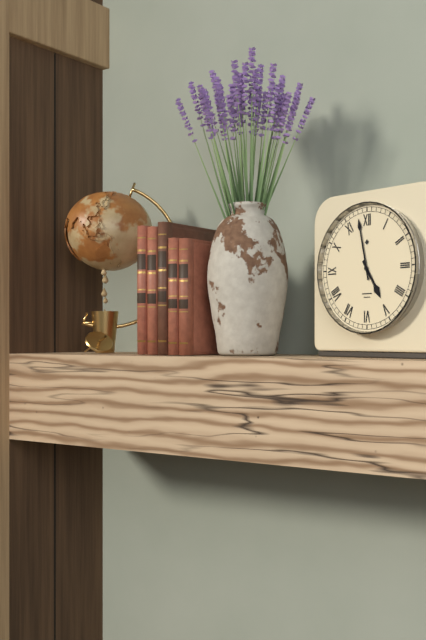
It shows 4:58
